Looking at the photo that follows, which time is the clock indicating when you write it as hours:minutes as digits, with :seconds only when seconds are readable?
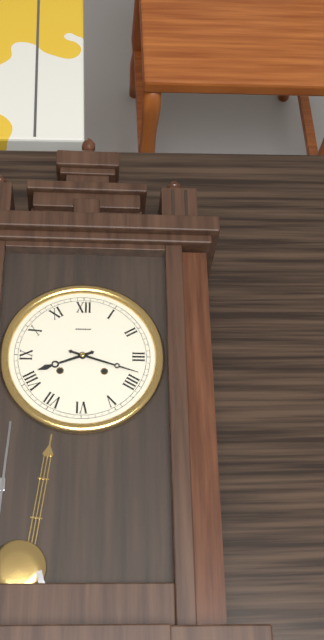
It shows 8:18
